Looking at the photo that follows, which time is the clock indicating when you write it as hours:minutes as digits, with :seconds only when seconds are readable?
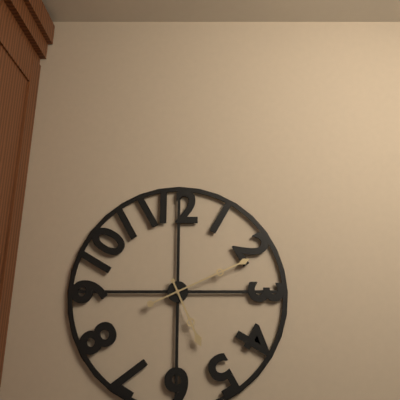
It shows 5:11
